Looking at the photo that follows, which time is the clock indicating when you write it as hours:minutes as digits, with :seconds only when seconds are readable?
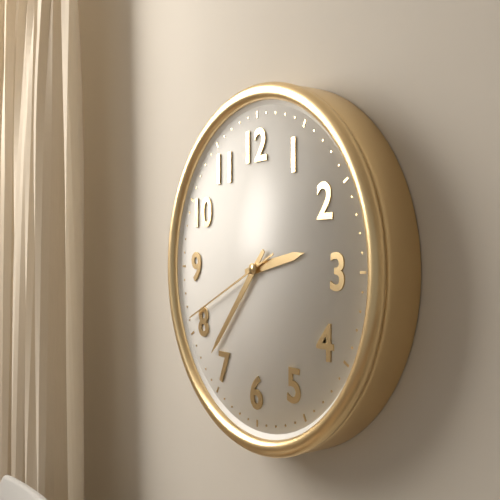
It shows 2:37:41
